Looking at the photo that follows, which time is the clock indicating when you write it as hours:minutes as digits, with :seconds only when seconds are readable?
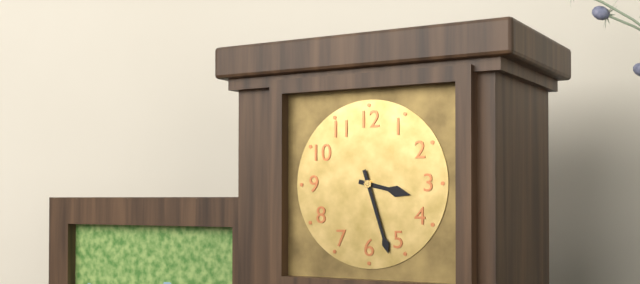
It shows 3:27
